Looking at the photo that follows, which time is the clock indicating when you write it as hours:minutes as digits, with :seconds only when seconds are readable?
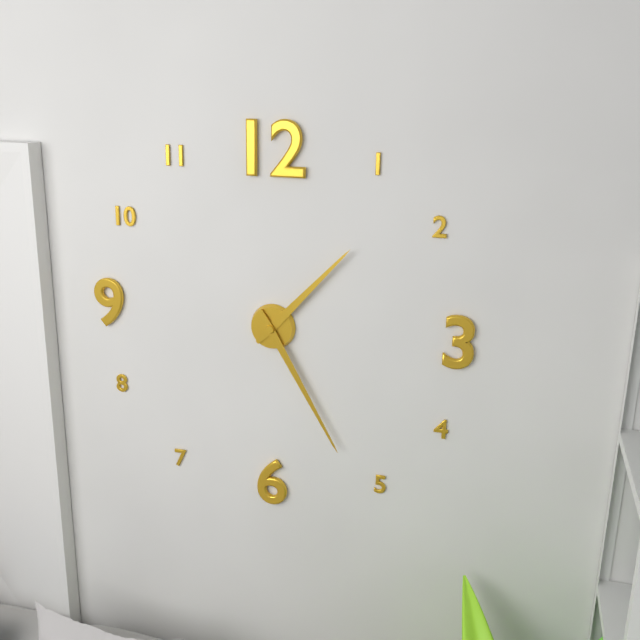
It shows 1:25
